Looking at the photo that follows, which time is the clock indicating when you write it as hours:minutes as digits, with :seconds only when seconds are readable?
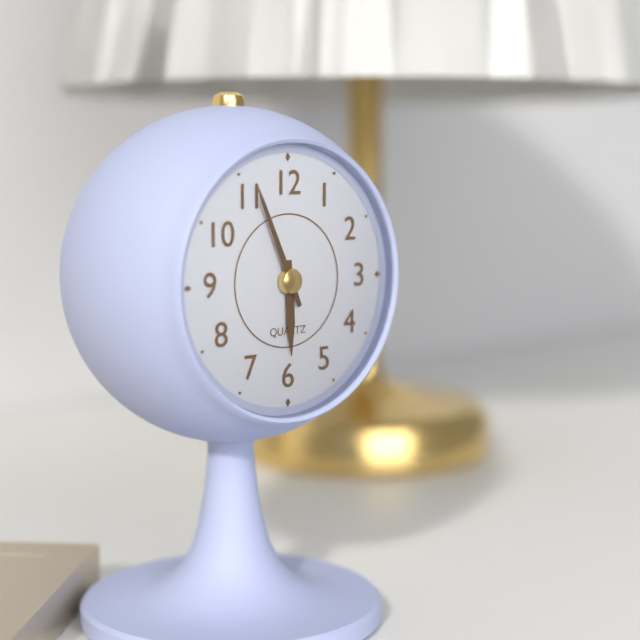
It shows 5:56
